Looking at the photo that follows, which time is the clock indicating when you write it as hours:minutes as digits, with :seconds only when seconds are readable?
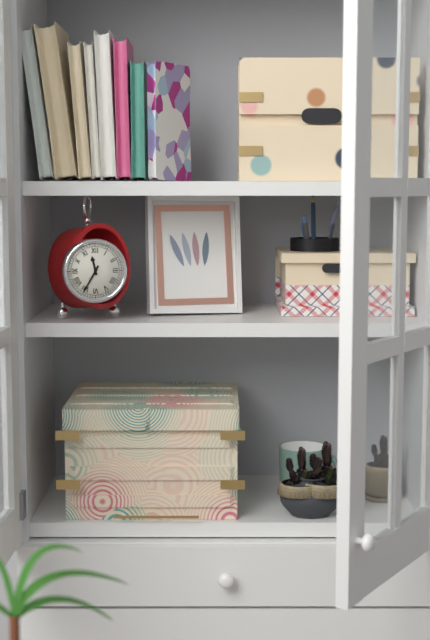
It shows 11:35
